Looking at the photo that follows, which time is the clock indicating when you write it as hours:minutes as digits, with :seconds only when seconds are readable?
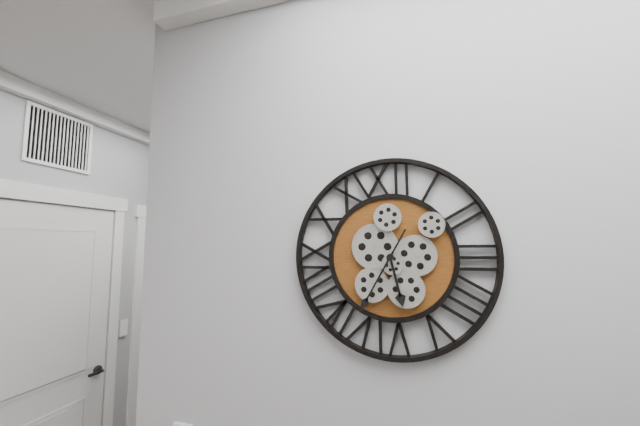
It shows 5:35
